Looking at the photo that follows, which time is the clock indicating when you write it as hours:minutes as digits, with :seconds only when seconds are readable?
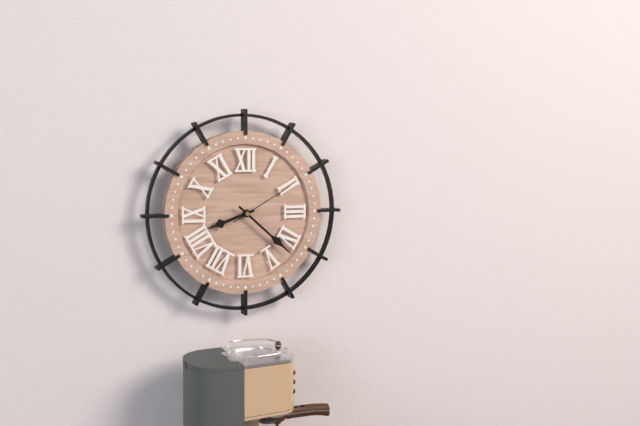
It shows 8:22:10
